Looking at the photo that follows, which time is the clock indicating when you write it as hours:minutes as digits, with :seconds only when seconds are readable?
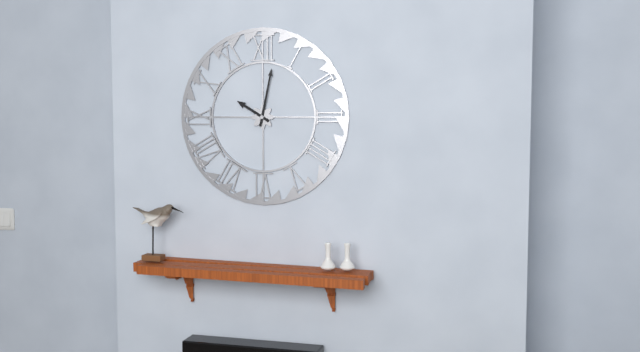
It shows 10:02
